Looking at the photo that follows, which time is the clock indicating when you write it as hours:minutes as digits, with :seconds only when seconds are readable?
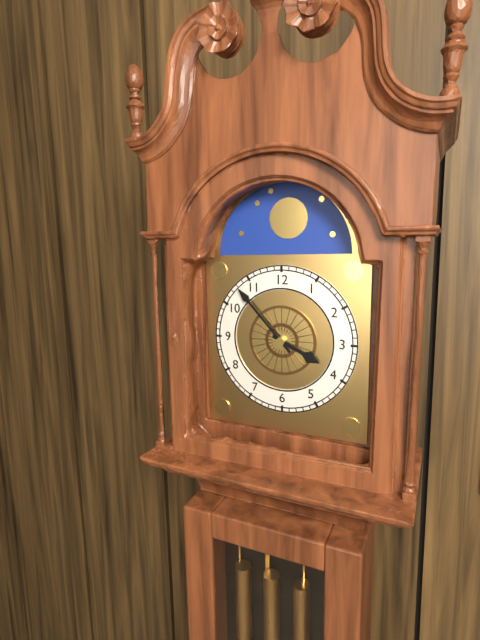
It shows 3:53
